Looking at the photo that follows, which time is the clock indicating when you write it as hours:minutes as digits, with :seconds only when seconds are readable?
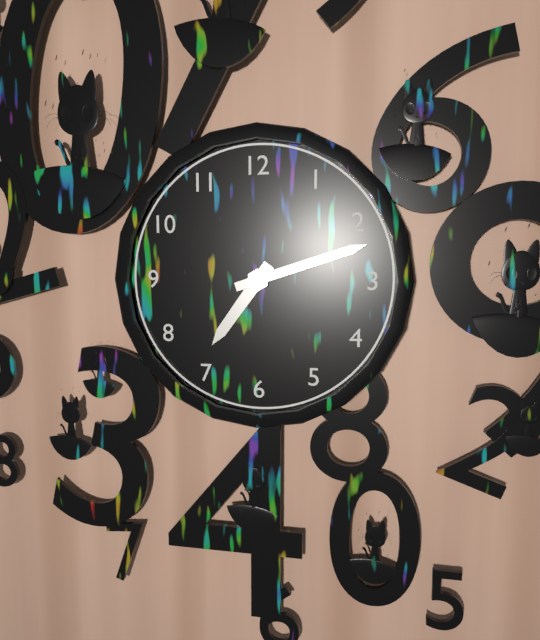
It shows 7:12
